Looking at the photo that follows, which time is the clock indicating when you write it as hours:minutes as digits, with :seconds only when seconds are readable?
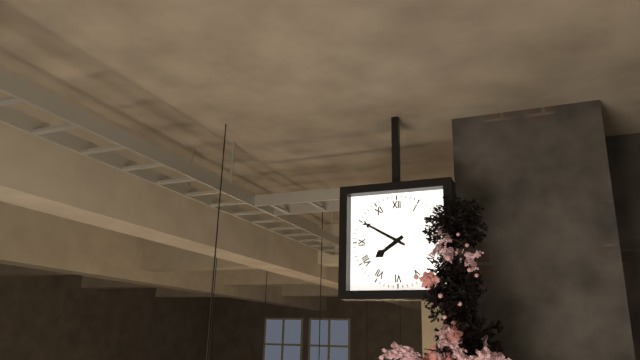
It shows 7:50
